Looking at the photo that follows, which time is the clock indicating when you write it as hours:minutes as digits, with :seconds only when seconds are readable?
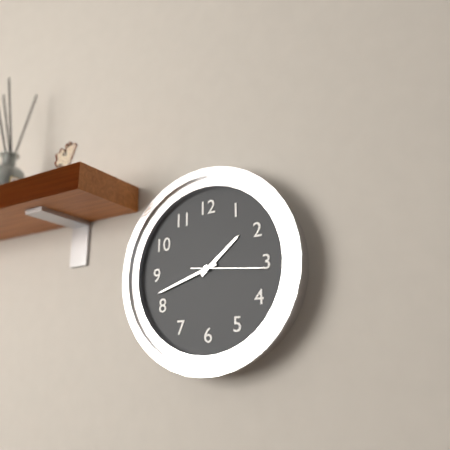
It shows 1:42:16
